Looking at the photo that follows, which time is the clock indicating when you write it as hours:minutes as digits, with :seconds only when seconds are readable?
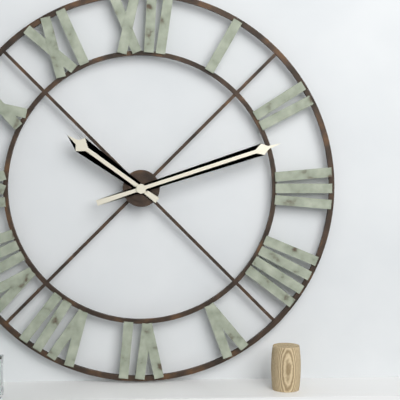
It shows 10:12
